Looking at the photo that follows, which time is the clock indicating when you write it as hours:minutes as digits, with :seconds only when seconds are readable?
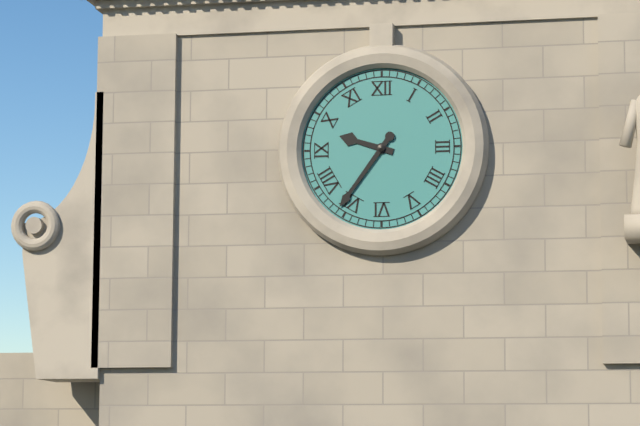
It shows 9:36
